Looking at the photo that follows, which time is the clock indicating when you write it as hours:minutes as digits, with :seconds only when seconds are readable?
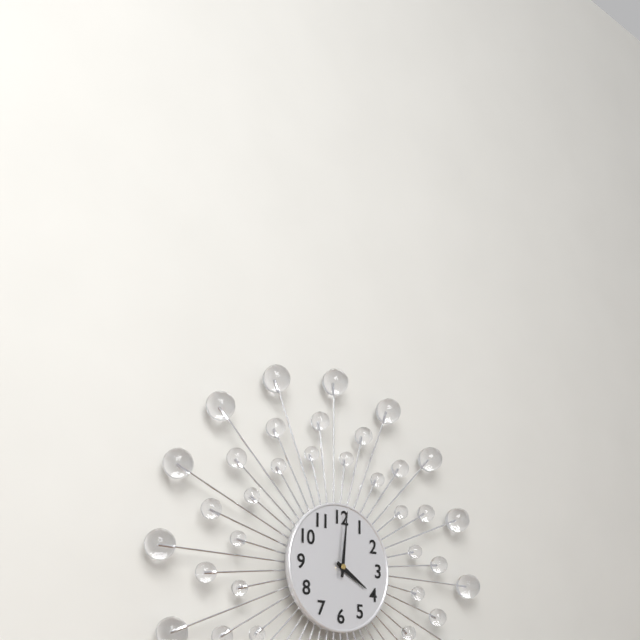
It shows 4:01
